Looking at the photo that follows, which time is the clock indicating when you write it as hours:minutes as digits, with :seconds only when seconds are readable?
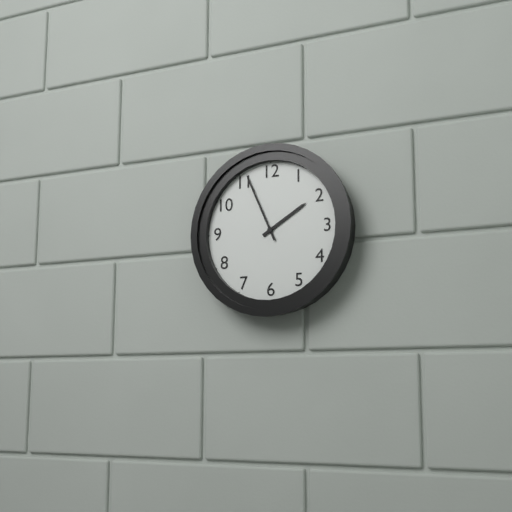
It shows 1:56
